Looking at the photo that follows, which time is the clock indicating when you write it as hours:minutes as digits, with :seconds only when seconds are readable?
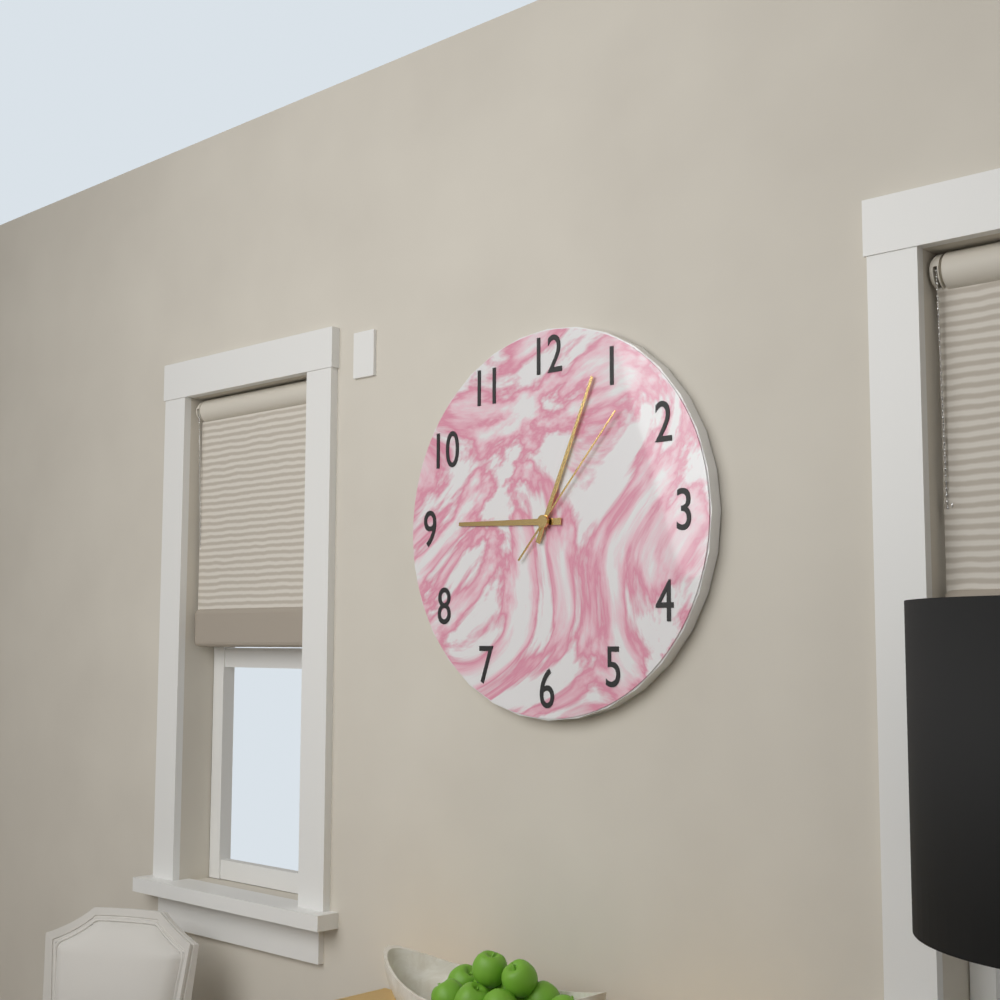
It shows 9:04:07
